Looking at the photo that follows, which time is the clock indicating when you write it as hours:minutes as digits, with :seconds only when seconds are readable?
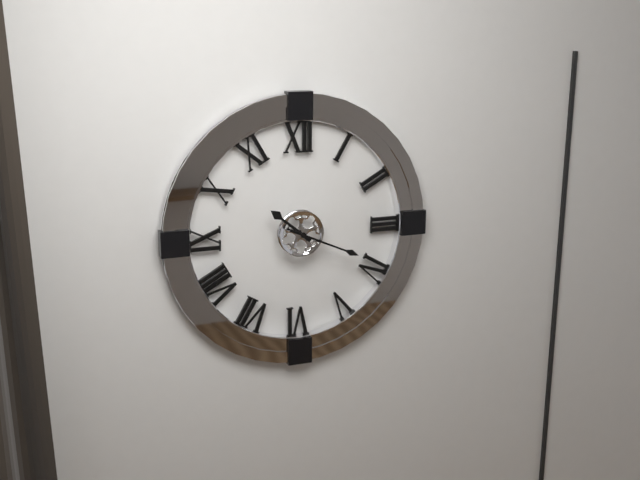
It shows 10:19
